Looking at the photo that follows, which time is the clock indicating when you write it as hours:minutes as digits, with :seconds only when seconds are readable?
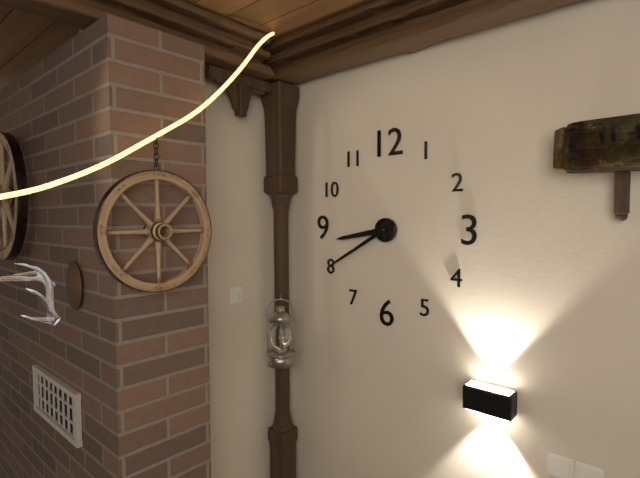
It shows 8:40
